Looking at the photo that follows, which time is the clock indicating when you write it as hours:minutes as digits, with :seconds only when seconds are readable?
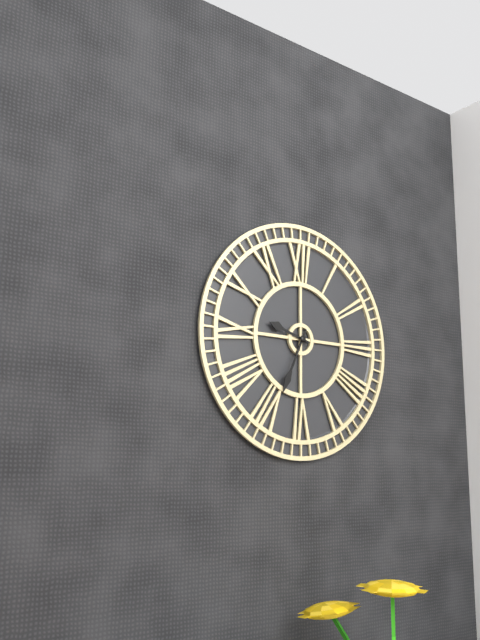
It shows 9:34
